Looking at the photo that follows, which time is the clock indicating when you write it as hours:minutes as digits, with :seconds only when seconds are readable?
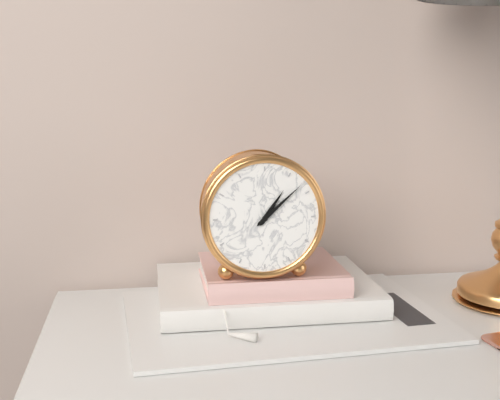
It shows 1:08
